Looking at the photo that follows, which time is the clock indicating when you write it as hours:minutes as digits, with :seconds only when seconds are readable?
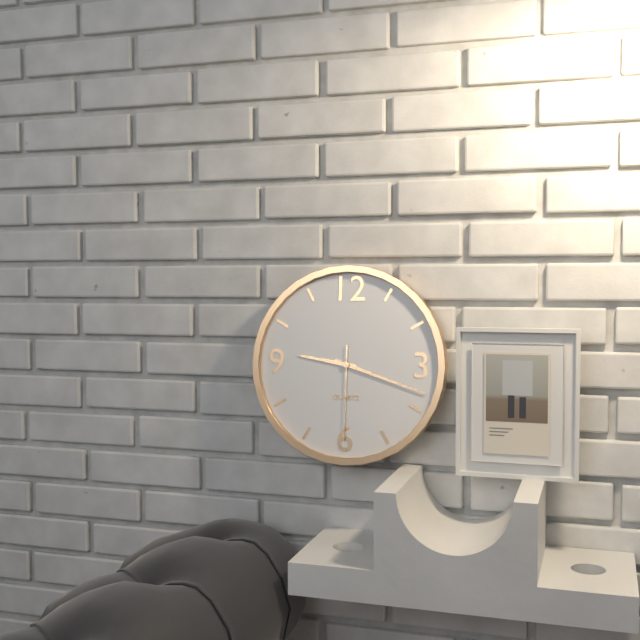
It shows 9:18:30
